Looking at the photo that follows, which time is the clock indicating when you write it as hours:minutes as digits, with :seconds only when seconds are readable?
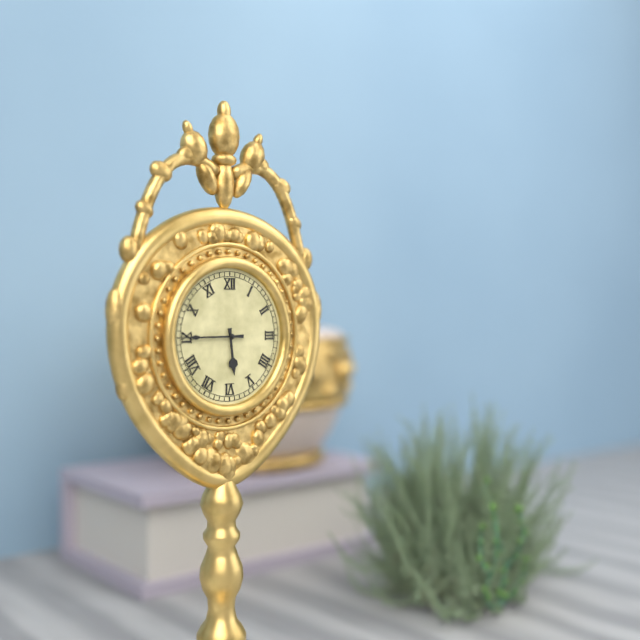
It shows 5:45
